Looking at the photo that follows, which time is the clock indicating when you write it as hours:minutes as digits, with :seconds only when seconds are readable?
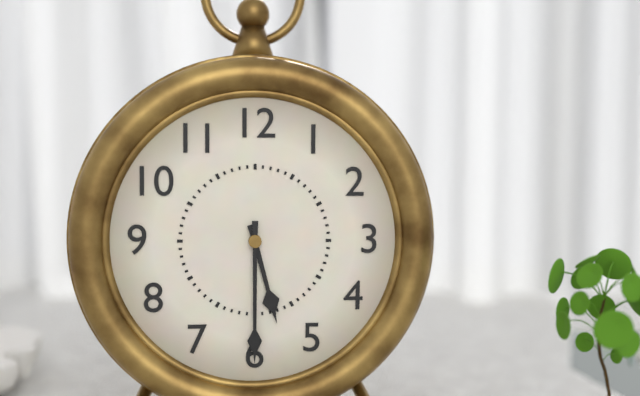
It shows 5:30
